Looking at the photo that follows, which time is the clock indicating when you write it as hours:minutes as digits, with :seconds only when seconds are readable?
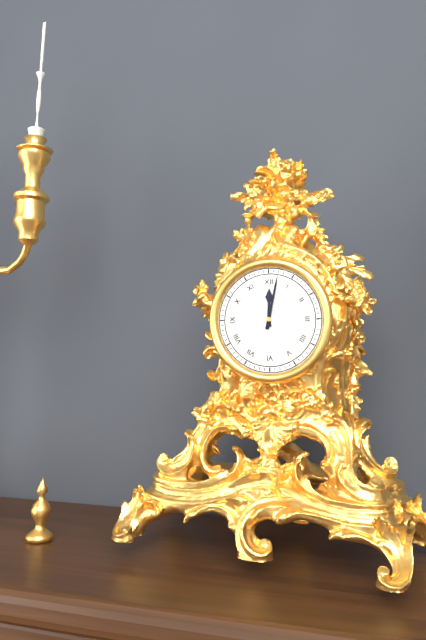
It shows 12:02
